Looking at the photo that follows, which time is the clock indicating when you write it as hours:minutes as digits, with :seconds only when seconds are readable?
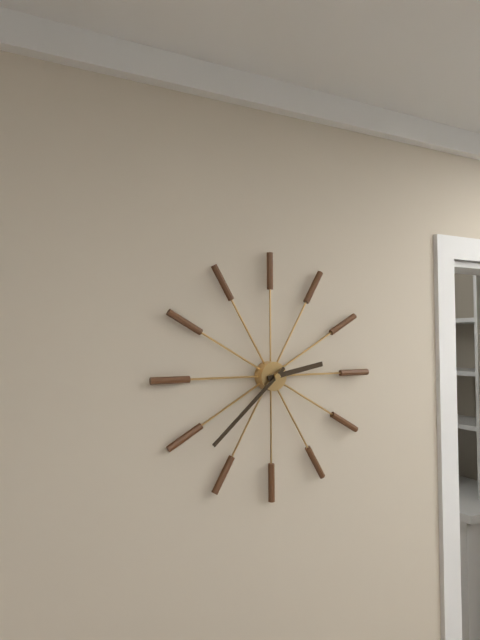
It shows 2:38
